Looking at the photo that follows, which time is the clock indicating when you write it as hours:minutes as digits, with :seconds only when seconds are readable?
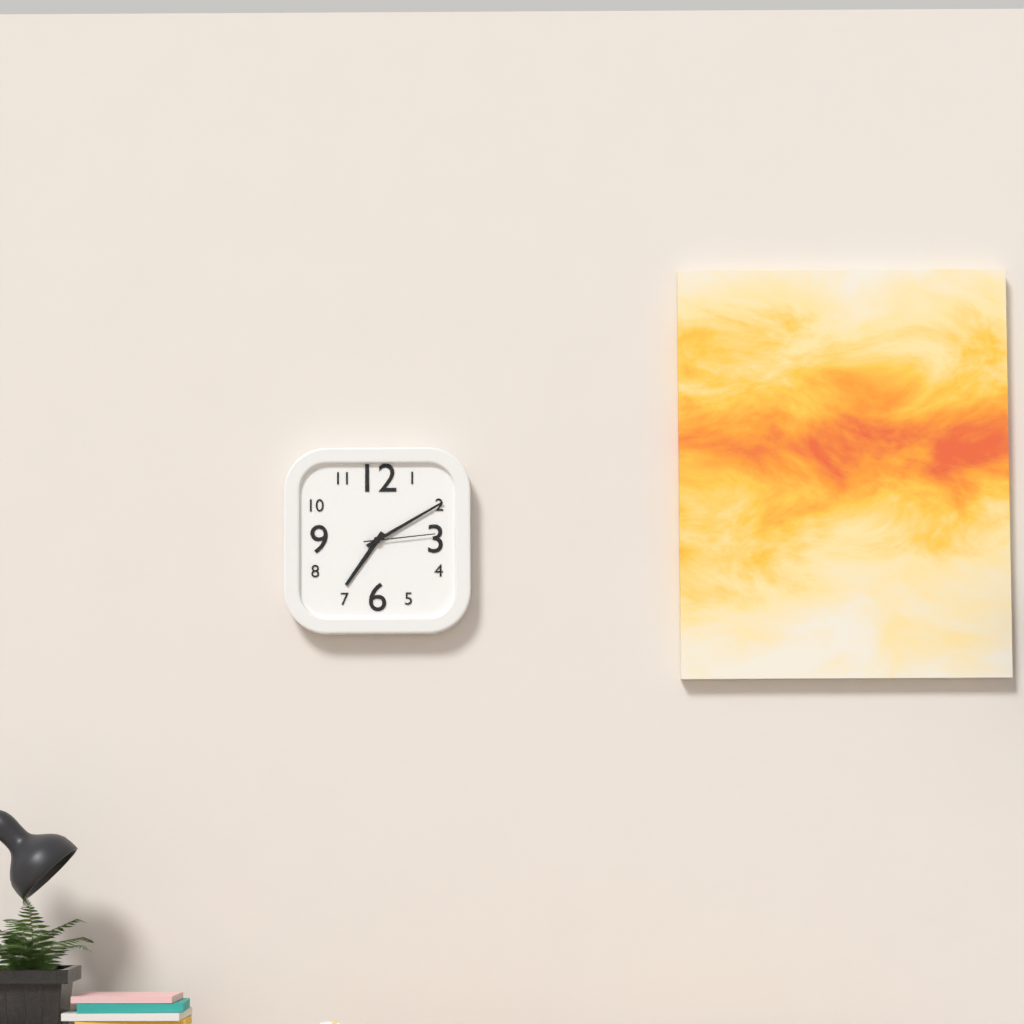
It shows 7:10:14
